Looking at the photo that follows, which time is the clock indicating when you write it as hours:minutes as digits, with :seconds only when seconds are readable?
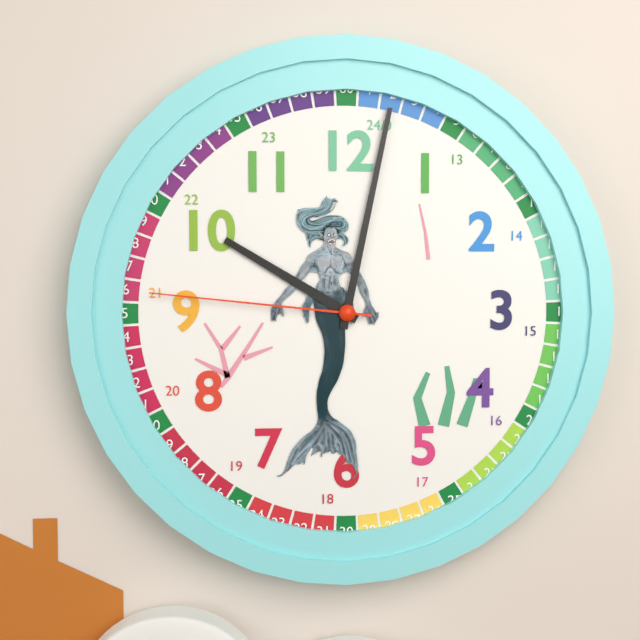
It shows 10:02:46
